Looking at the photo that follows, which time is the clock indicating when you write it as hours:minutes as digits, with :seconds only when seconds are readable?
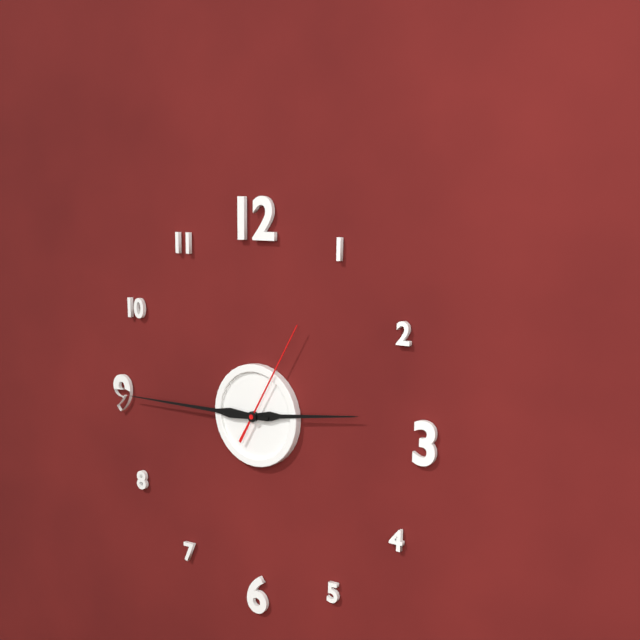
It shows 2:45:05
